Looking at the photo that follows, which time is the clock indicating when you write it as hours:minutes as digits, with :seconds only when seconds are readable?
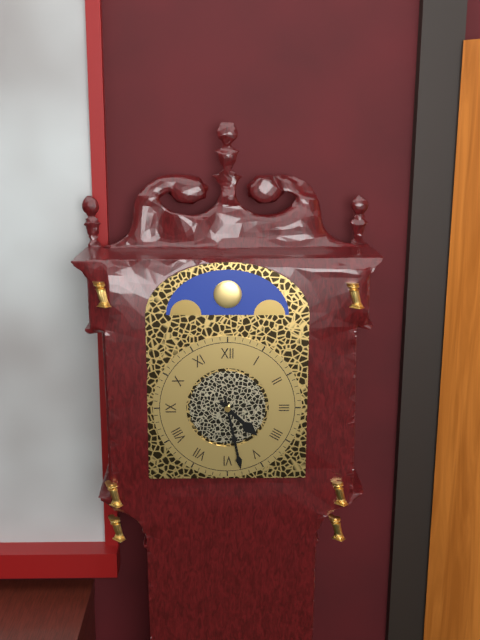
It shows 4:28
